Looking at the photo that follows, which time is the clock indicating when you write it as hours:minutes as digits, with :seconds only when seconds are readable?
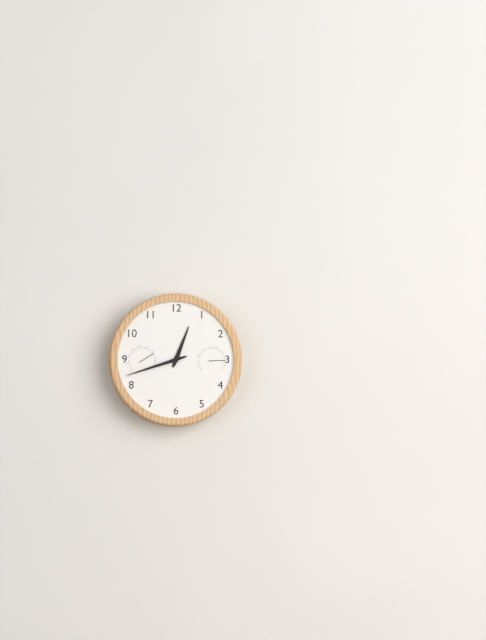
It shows 12:42
